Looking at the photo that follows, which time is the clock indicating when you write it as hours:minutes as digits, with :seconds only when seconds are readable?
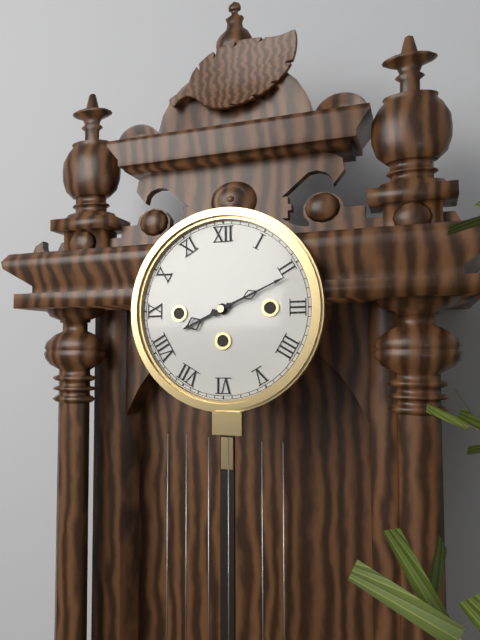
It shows 8:11
